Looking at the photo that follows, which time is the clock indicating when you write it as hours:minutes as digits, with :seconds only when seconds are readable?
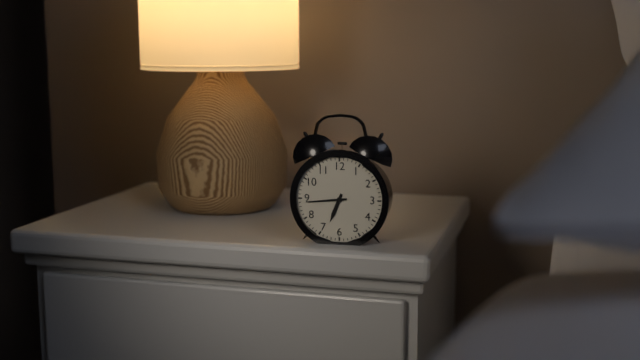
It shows 6:44
